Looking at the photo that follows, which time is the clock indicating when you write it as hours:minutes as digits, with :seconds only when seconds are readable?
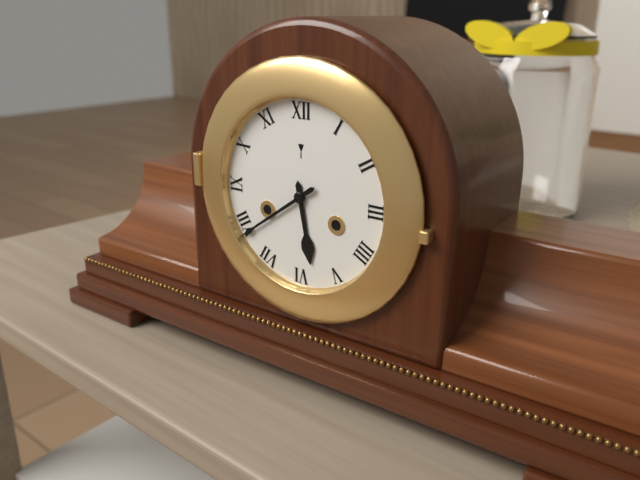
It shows 5:39
